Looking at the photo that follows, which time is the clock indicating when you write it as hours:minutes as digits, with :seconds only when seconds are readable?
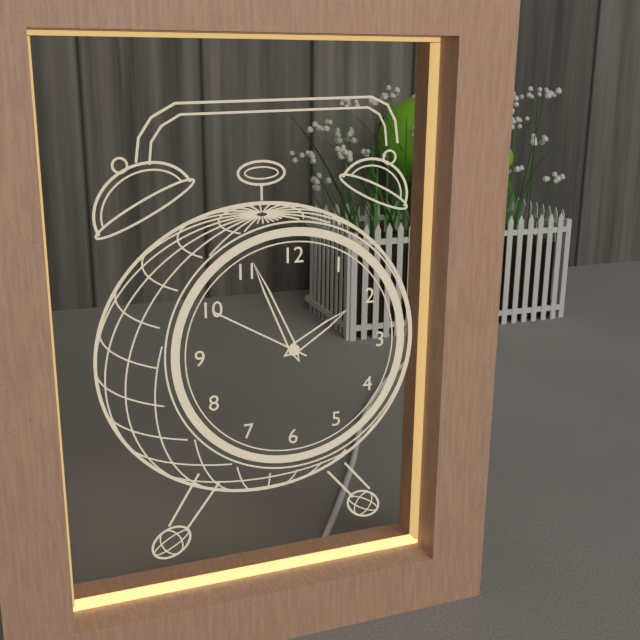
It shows 1:56:50
